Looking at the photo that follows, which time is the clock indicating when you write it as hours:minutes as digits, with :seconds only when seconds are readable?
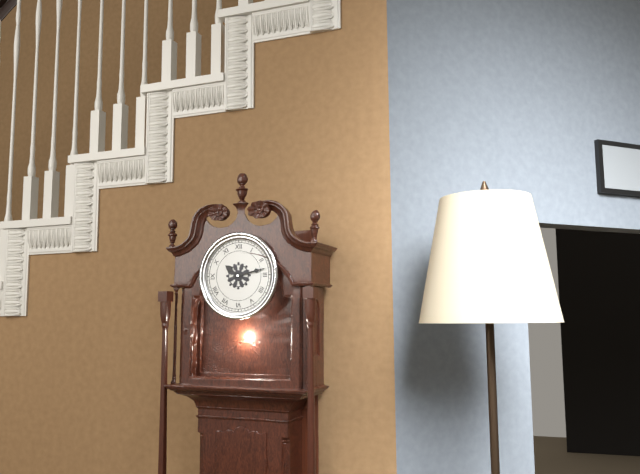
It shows 10:13
